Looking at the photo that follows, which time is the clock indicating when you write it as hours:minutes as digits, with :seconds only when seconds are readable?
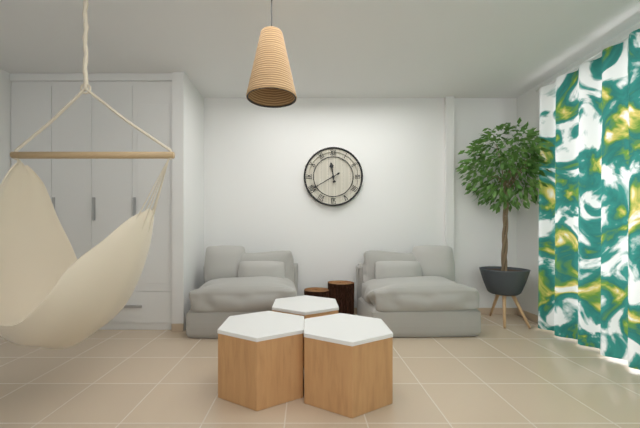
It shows 11:40
